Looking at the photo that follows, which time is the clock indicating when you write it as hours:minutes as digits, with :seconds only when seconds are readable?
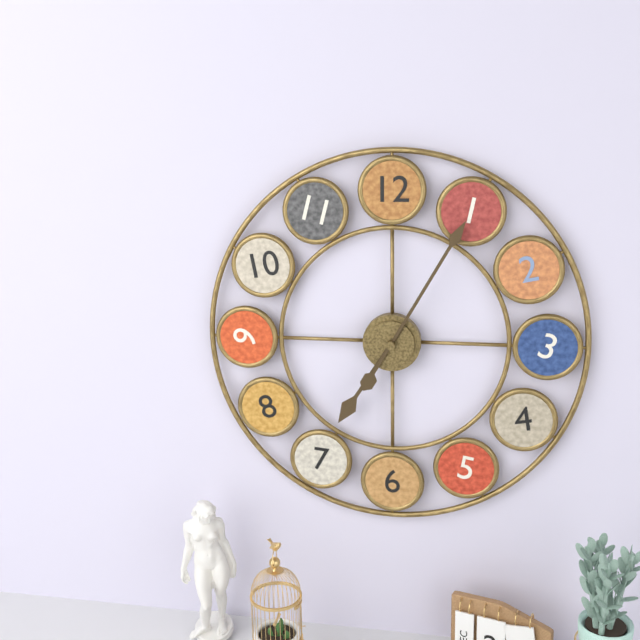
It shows 7:05
